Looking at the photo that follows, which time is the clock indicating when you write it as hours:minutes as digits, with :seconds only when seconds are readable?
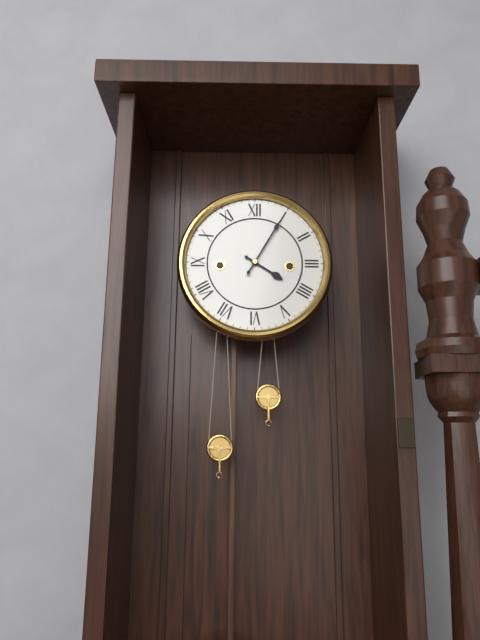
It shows 4:05
